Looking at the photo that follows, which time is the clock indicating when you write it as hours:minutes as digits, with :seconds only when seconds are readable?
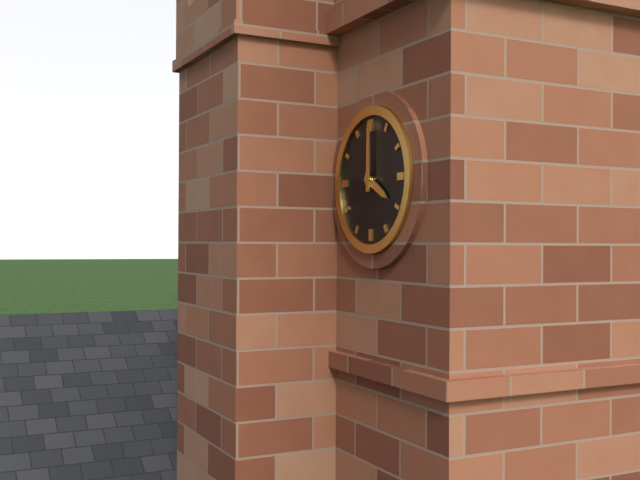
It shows 4:00
